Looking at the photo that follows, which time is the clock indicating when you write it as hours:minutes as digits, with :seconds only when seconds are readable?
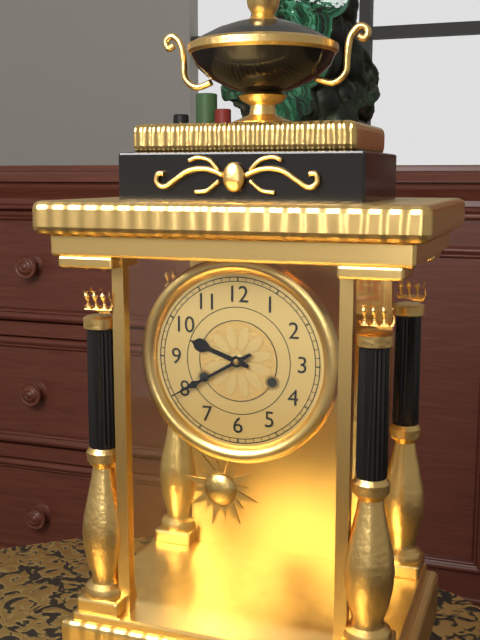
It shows 9:40
